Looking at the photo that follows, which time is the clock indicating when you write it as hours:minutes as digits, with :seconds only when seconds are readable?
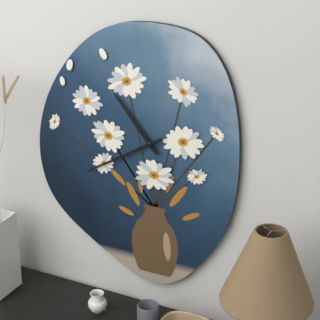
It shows 10:40
